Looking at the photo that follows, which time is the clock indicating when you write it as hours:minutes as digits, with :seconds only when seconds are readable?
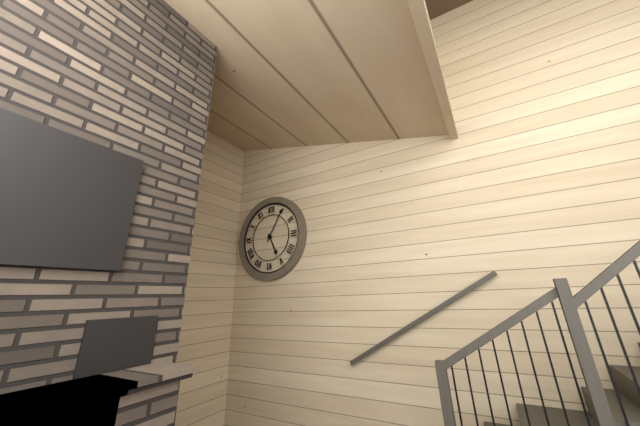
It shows 5:05
